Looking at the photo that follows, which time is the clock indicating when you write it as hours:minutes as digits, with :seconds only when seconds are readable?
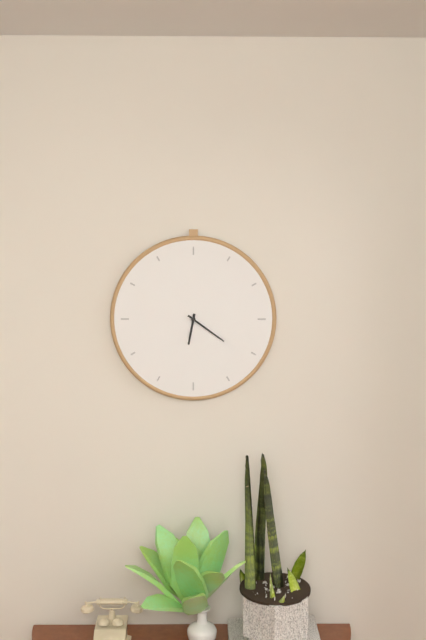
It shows 6:21
